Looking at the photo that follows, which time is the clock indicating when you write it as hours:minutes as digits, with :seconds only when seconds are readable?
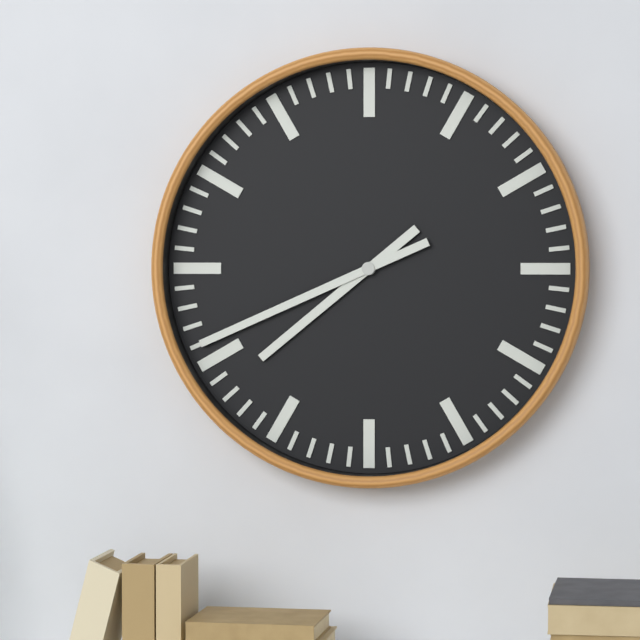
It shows 7:41
